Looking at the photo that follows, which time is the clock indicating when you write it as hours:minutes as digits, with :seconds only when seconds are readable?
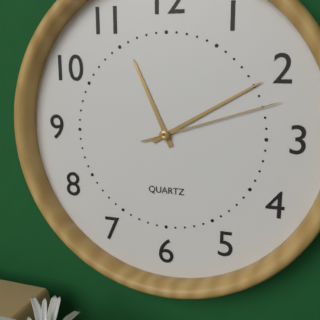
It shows 11:10:12
